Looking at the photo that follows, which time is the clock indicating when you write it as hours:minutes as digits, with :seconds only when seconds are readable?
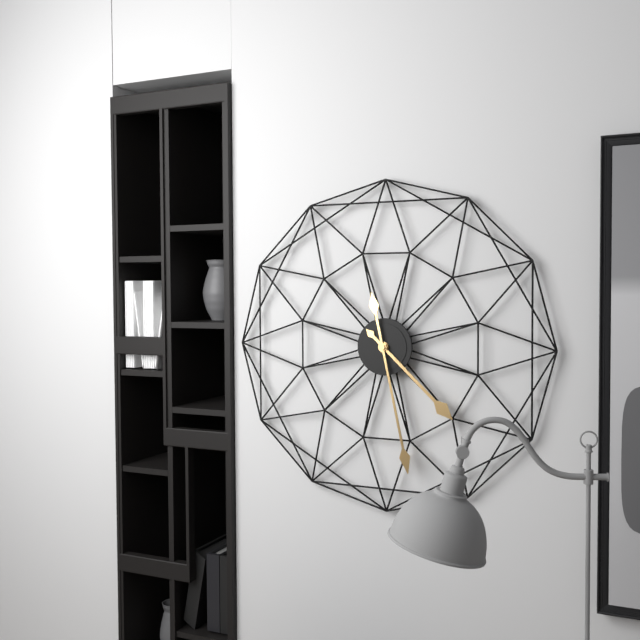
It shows 4:28
